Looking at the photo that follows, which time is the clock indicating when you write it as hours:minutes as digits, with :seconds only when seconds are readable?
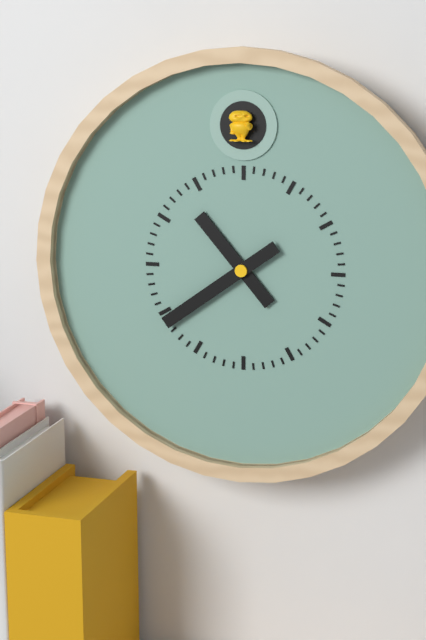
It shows 10:39
